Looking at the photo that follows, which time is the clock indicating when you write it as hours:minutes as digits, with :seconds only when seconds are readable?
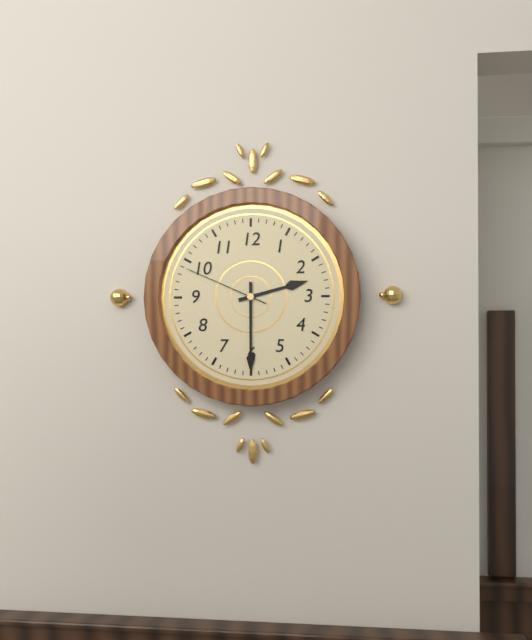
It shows 2:30:49
